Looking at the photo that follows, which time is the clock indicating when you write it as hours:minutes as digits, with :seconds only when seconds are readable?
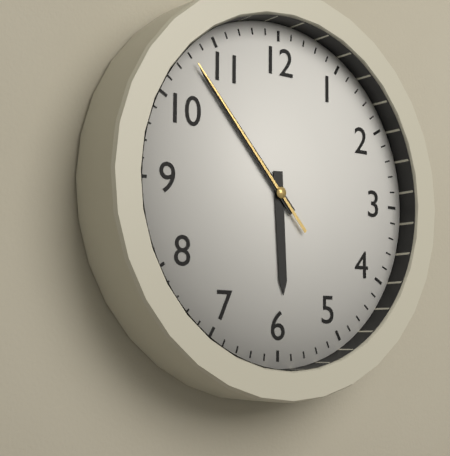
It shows 5:53:53
